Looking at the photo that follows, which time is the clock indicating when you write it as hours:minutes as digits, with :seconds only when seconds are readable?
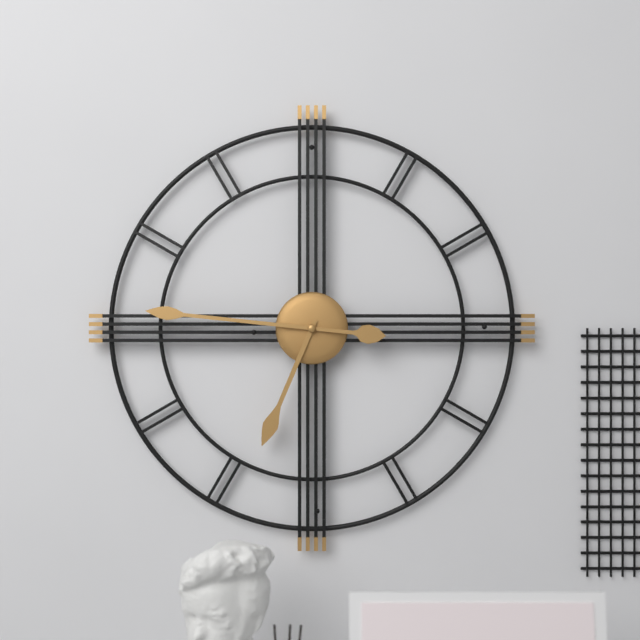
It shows 6:46
